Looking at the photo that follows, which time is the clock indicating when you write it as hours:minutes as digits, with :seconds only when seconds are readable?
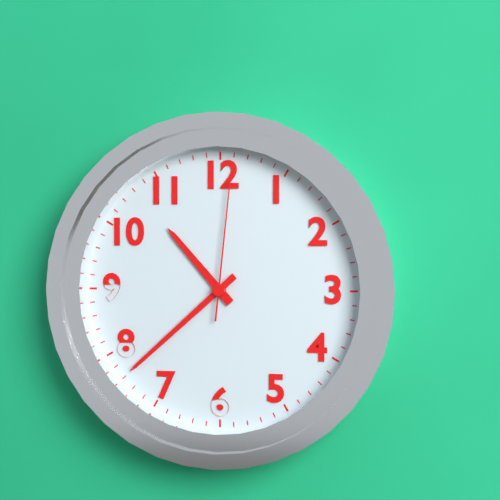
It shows 10:38:01
